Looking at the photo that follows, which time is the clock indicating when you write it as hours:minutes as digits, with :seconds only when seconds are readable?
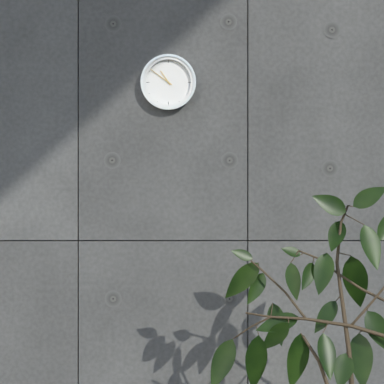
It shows 10:51
